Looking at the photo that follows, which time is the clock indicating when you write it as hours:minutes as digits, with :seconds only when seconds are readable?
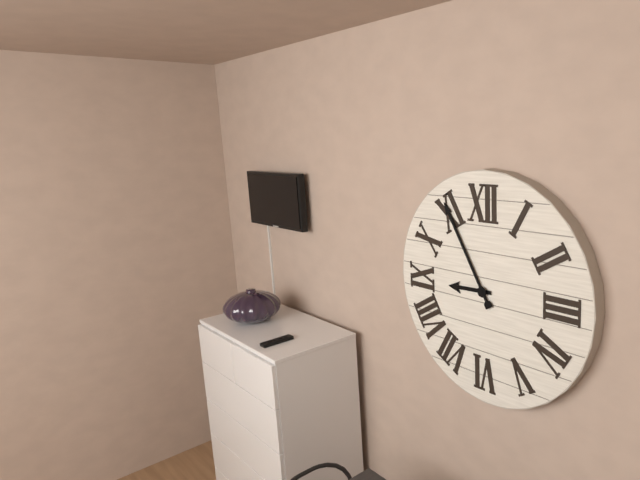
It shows 8:55
